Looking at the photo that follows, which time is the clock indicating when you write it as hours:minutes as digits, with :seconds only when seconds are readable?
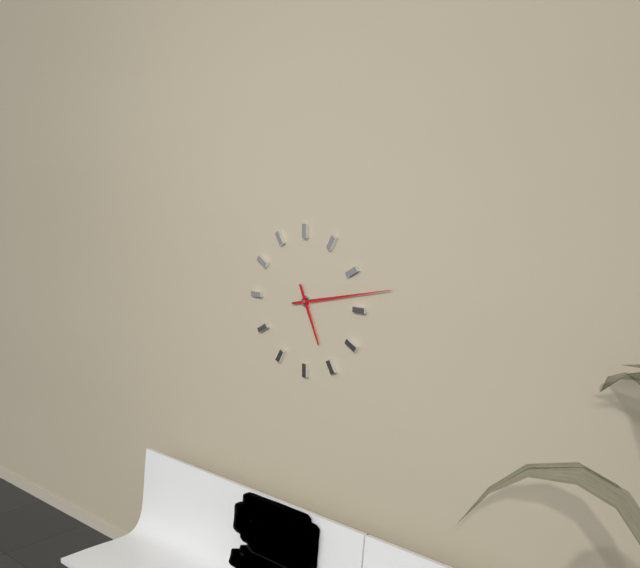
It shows 5:13
